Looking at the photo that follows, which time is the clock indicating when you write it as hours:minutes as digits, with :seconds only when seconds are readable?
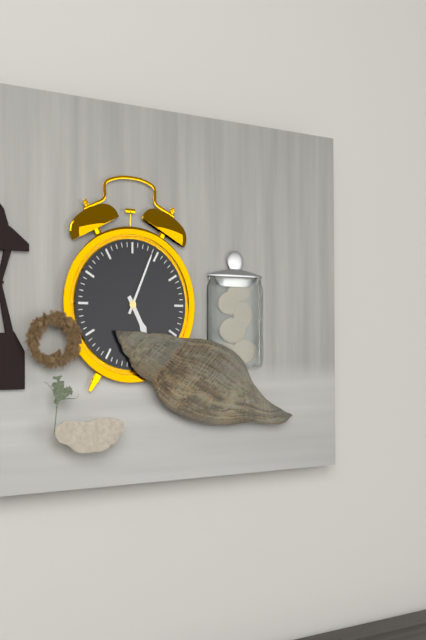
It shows 5:04
